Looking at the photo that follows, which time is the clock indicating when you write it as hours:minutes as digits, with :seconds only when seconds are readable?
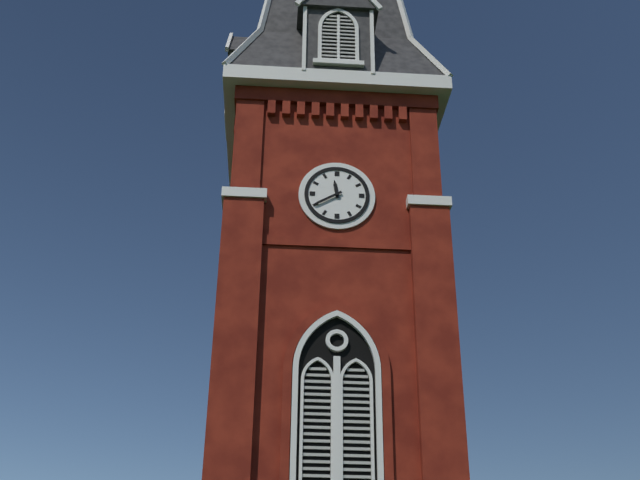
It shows 11:40
